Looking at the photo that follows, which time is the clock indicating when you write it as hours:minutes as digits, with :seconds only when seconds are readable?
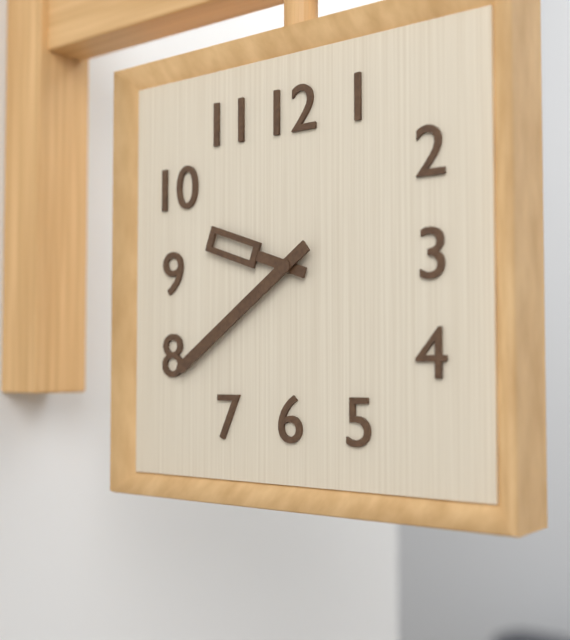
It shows 9:39
